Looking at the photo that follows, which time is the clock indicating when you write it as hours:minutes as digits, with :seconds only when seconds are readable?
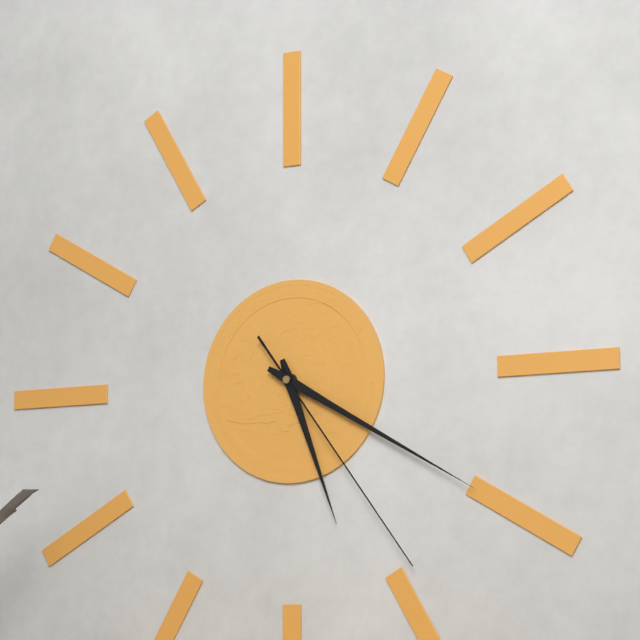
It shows 5:20:24
